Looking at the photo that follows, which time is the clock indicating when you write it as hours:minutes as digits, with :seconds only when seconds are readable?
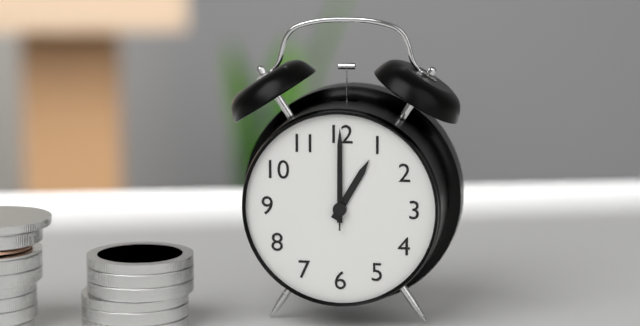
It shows 1:00:00
